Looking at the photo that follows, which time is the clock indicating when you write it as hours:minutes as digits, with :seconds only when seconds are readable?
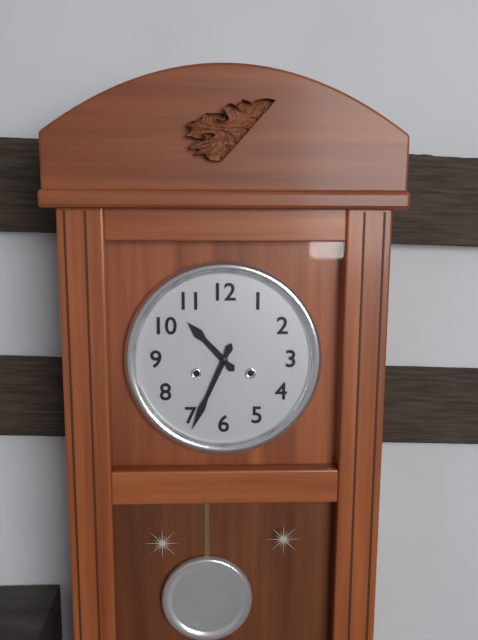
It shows 10:34
